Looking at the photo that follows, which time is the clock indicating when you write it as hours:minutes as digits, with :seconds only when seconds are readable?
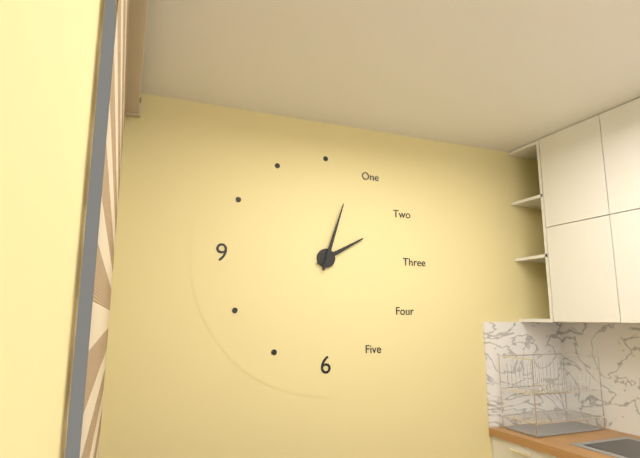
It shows 2:03
